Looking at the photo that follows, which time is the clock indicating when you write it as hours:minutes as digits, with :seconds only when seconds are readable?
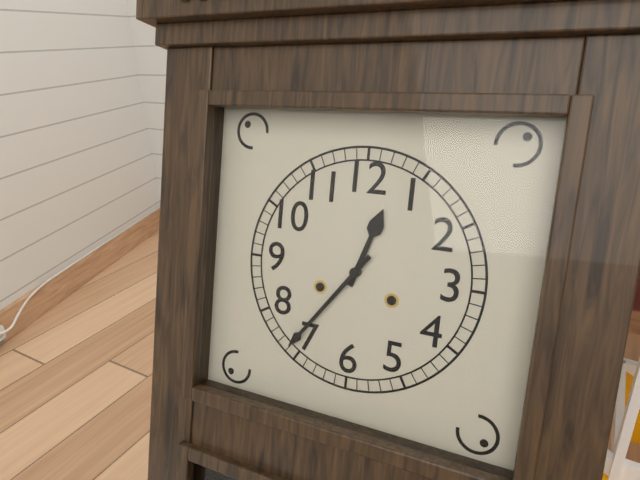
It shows 12:36
